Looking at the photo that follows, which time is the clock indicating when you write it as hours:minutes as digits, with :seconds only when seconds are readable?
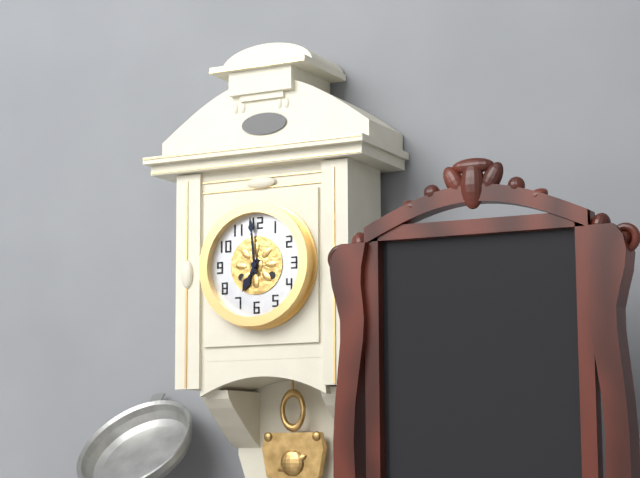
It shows 6:59
